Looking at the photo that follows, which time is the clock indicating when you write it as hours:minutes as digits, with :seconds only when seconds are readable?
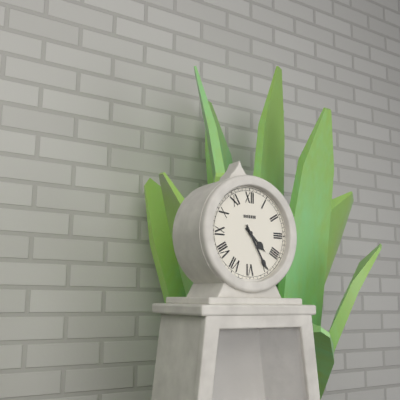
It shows 4:25
